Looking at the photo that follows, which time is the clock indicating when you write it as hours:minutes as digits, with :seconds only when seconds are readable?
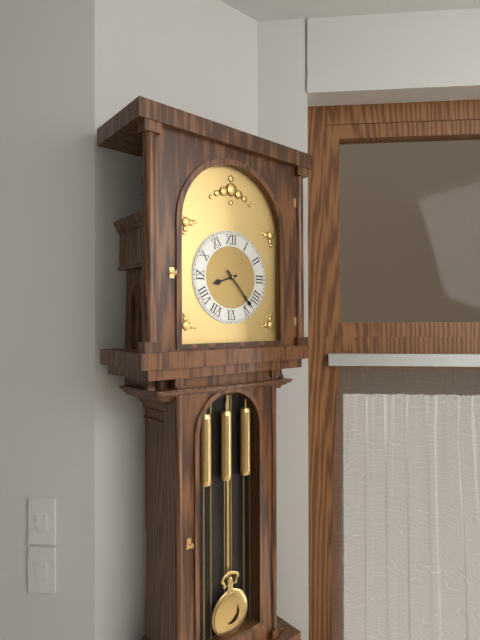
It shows 8:23
